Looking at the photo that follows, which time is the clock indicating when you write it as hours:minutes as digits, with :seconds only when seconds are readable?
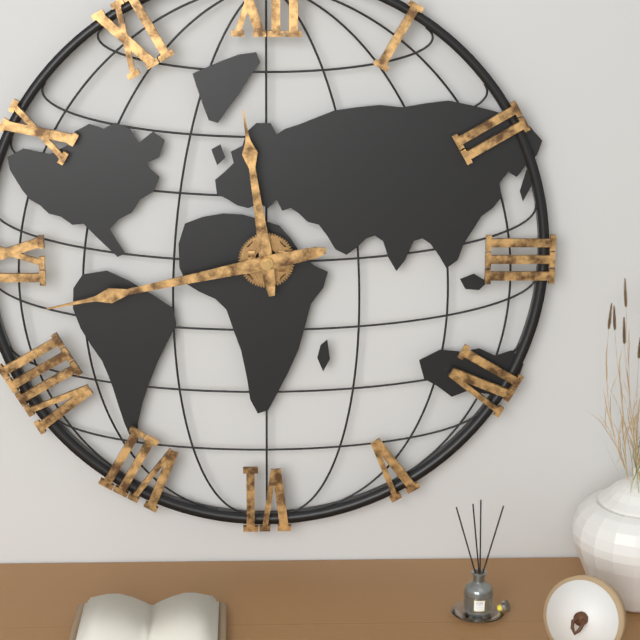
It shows 11:43
